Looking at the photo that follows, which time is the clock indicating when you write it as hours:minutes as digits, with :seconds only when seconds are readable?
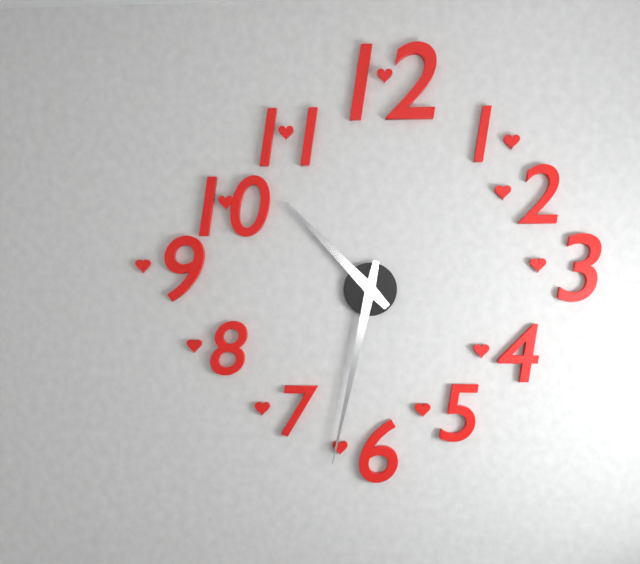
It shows 10:32
